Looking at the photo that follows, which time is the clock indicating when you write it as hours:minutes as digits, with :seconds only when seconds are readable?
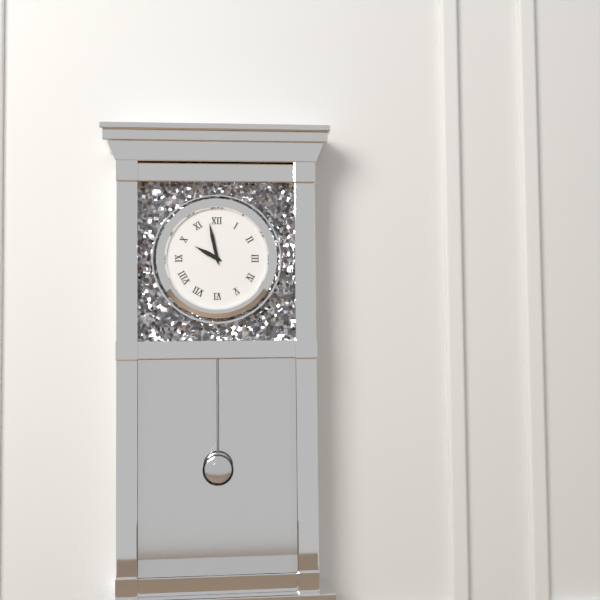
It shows 9:58
